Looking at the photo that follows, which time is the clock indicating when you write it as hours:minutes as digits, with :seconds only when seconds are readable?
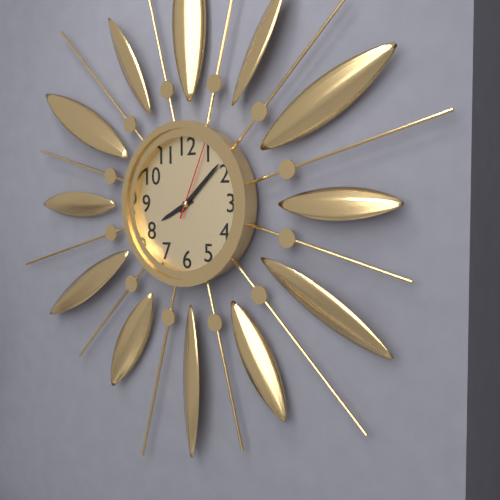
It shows 8:08:04
